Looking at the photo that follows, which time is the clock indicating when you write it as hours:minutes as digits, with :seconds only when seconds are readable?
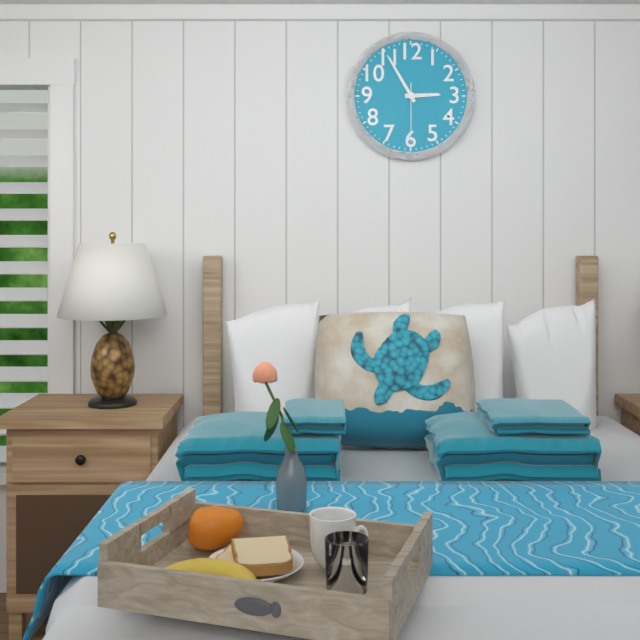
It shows 2:55:30
